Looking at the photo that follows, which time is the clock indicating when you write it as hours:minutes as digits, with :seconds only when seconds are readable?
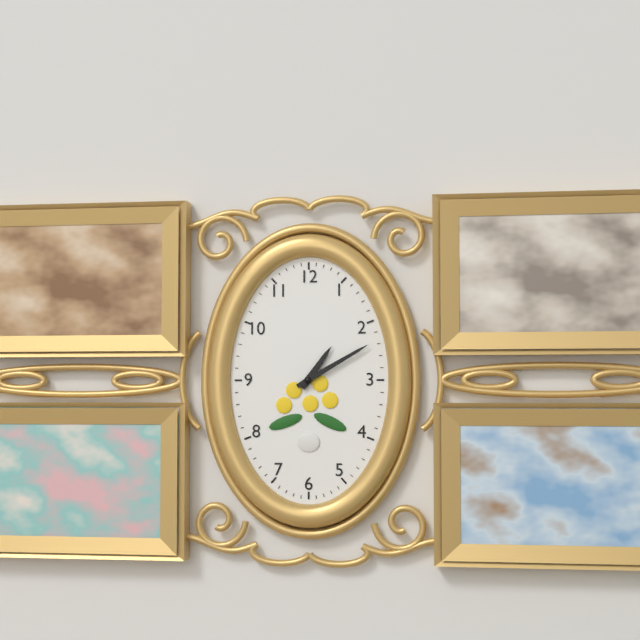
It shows 1:10
